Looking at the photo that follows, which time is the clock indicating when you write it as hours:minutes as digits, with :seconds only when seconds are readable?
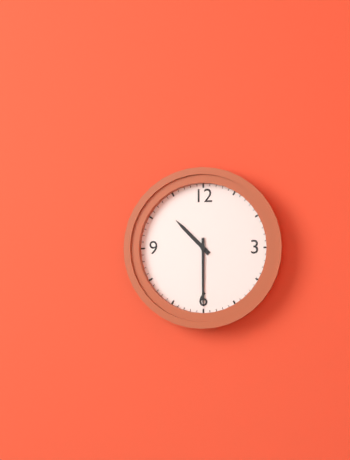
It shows 10:30
